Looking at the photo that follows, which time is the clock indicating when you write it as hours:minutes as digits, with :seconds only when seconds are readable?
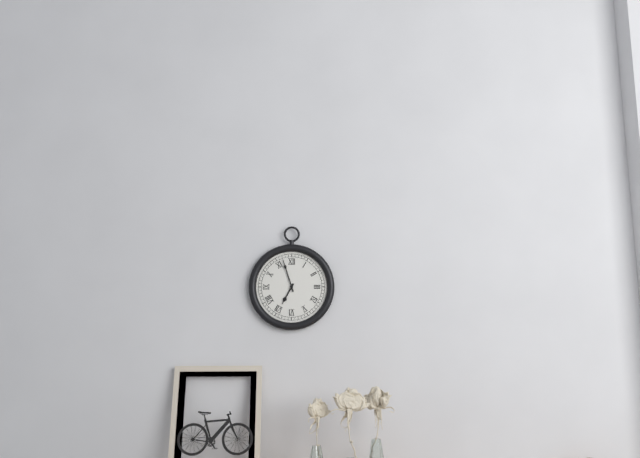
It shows 6:57
